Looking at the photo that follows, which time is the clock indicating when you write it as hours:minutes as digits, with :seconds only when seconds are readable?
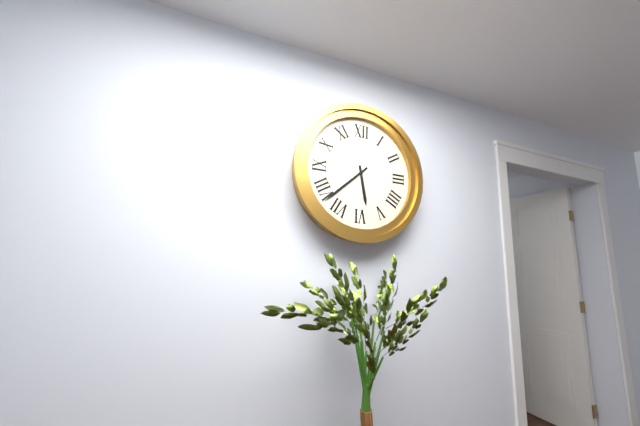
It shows 5:38
